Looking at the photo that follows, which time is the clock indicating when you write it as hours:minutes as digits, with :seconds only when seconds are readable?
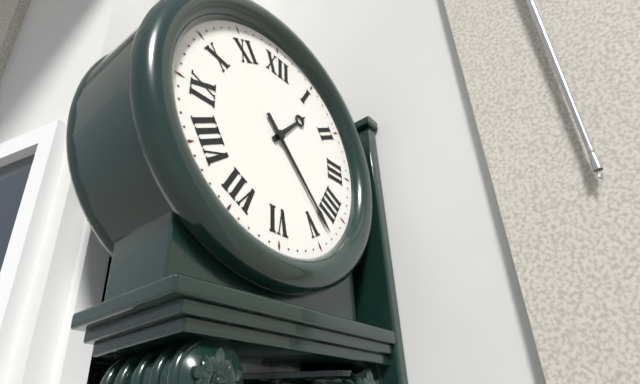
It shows 1:23
